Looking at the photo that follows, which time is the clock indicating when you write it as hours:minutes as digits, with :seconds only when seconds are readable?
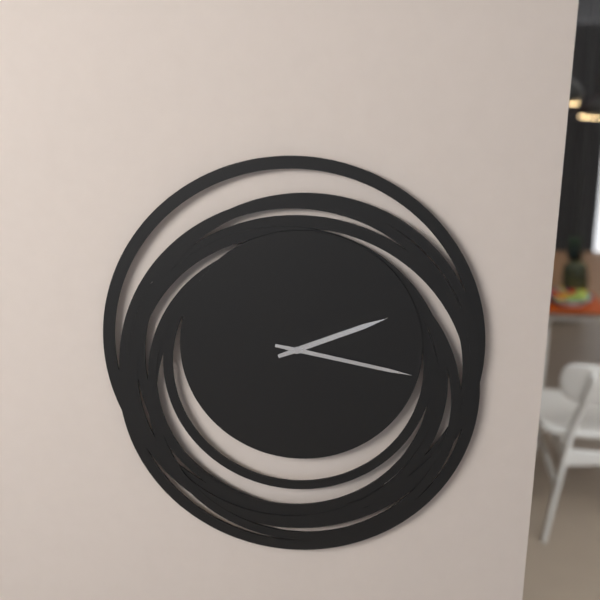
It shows 2:17
